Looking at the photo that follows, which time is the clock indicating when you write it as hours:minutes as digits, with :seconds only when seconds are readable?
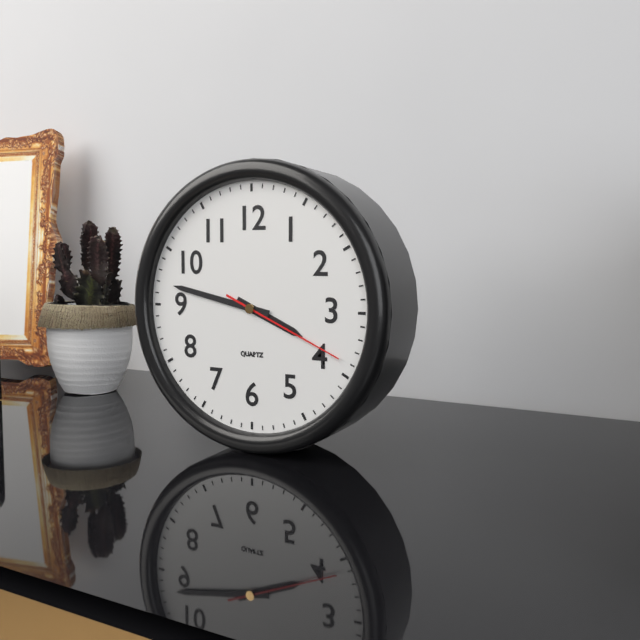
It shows 3:47:19
